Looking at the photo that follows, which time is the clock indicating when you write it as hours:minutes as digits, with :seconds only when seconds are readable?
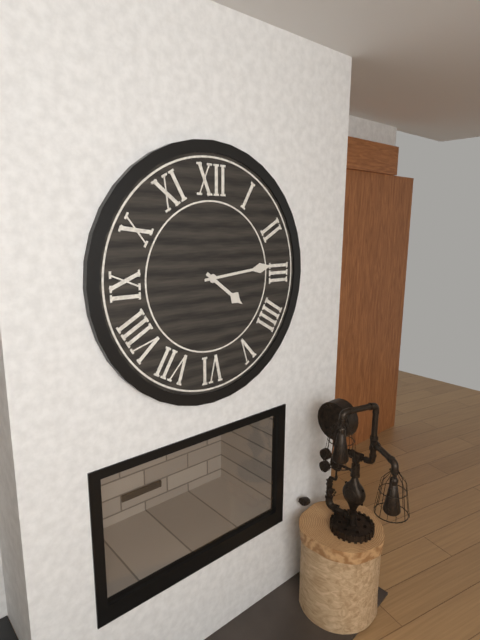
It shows 4:14
